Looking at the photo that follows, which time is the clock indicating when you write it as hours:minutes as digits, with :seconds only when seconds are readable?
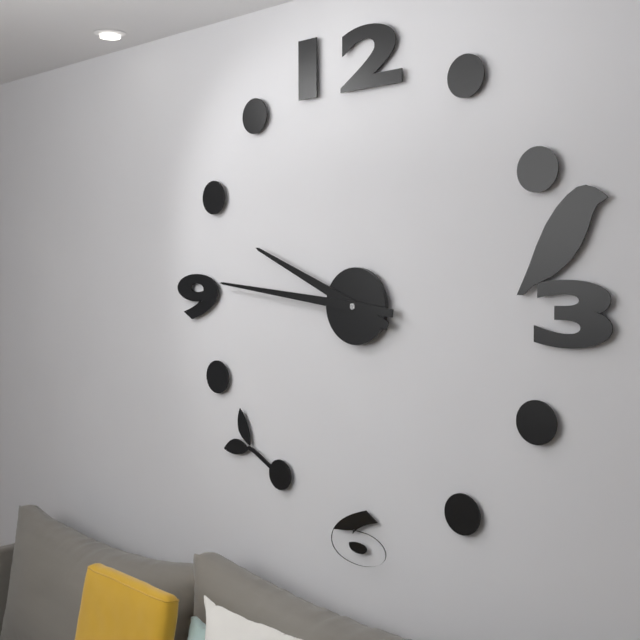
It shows 9:46
